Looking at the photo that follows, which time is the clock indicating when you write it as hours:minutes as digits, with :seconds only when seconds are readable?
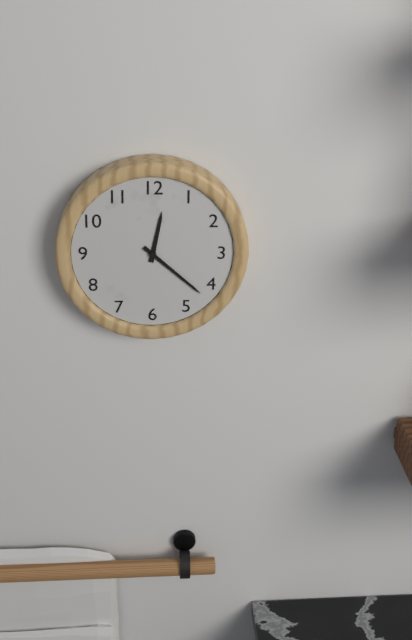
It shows 12:22
